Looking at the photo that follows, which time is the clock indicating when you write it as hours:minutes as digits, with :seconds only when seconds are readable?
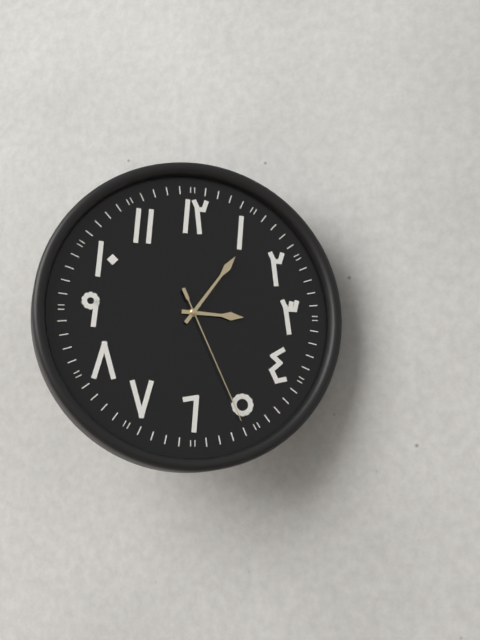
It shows 3:06:26
